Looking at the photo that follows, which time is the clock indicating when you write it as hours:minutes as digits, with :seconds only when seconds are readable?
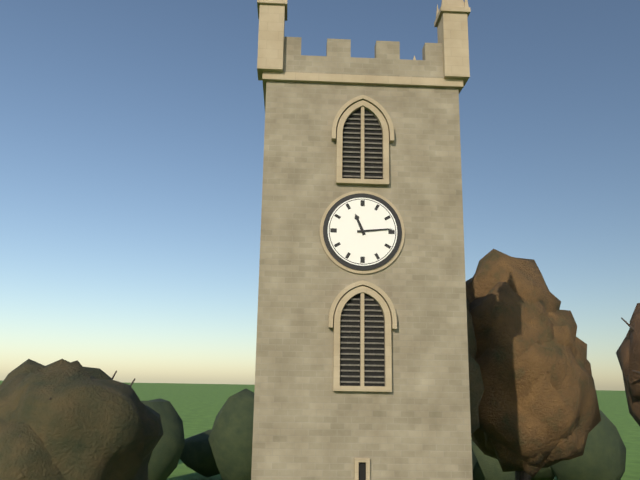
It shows 11:14
